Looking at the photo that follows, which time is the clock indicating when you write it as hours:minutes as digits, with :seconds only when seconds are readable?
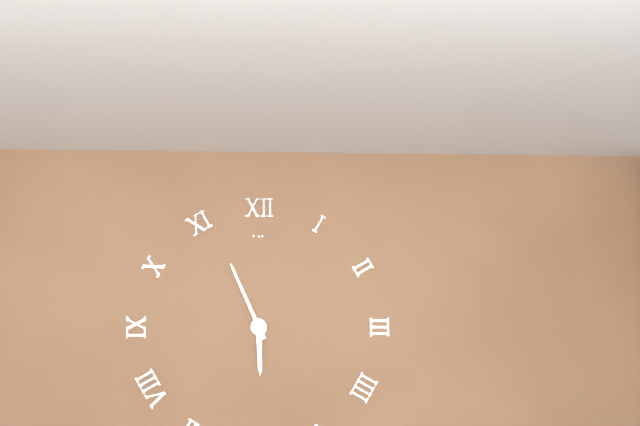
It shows 5:56
